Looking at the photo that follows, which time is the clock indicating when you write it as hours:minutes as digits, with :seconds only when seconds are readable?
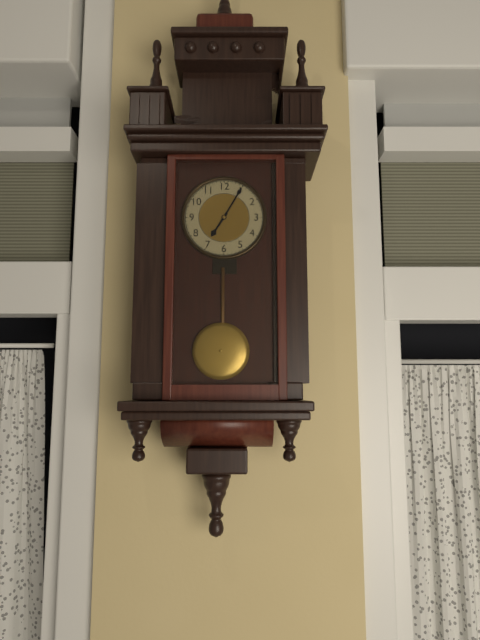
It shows 7:05
